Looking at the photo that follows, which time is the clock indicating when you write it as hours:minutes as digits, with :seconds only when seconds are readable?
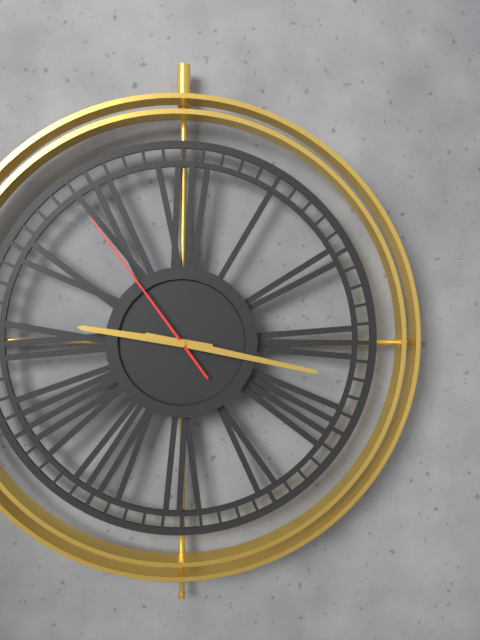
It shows 9:17:54
